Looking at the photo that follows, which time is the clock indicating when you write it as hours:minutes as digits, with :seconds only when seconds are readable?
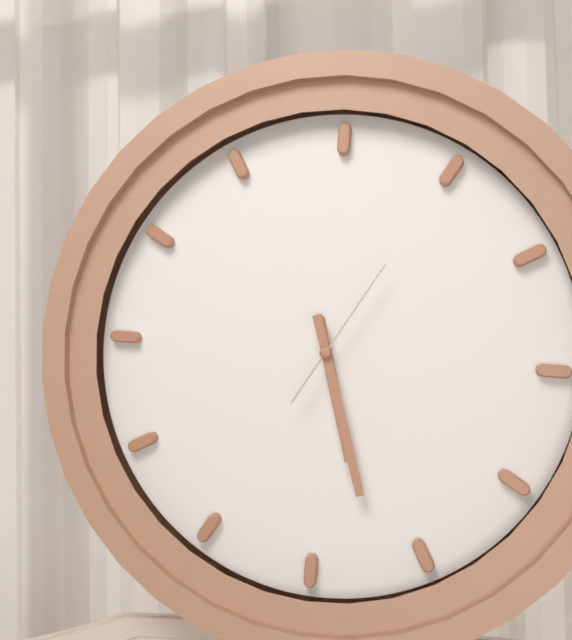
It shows 5:27:05
